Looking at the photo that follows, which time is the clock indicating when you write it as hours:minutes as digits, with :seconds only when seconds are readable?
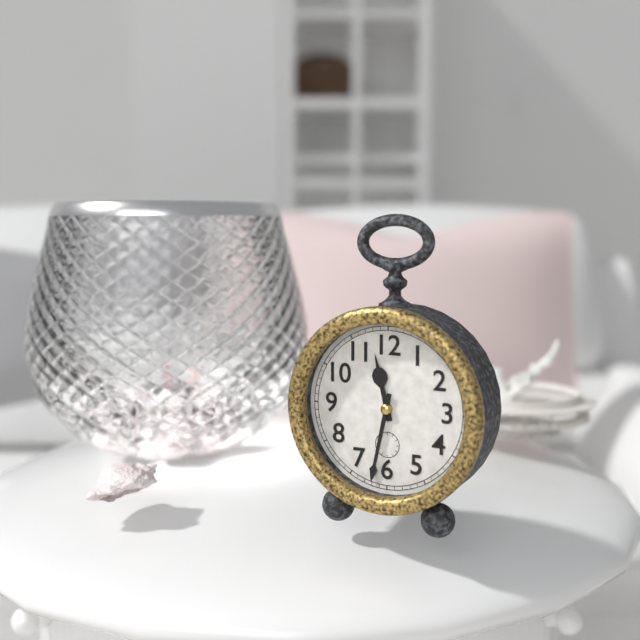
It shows 11:32
